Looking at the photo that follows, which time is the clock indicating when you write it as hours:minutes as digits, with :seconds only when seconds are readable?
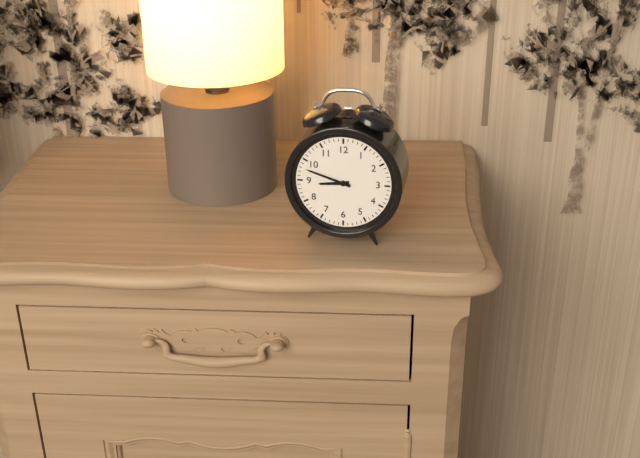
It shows 8:48
